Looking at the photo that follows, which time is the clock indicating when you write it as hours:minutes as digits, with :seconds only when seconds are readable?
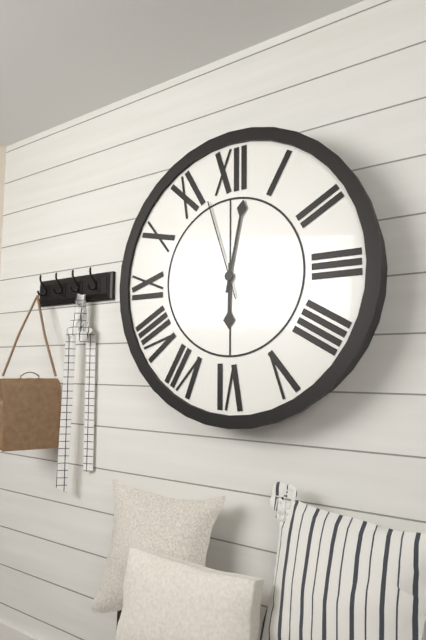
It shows 6:02:57
